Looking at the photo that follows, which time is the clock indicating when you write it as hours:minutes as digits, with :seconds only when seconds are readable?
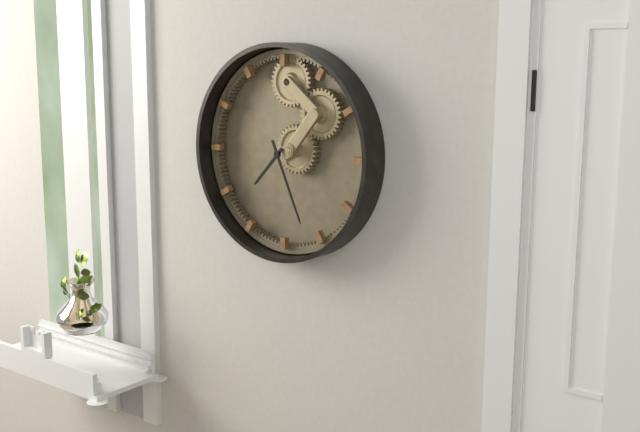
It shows 7:26
